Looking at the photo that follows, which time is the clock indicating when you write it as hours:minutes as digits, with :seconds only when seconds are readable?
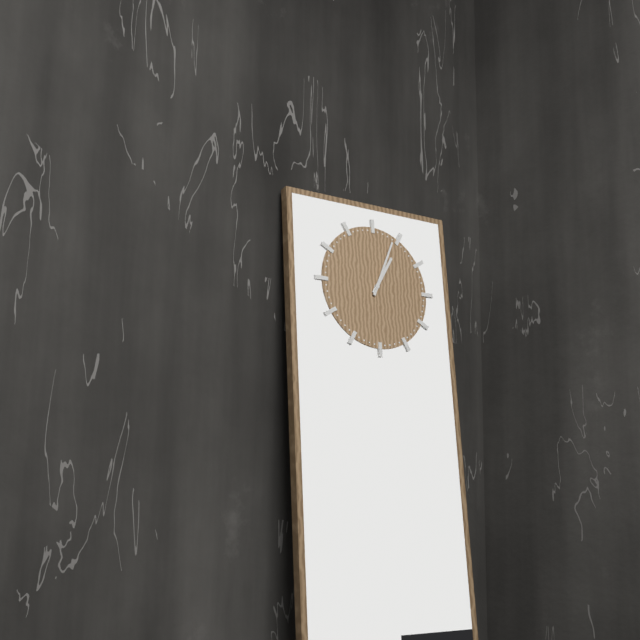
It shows 1:04
